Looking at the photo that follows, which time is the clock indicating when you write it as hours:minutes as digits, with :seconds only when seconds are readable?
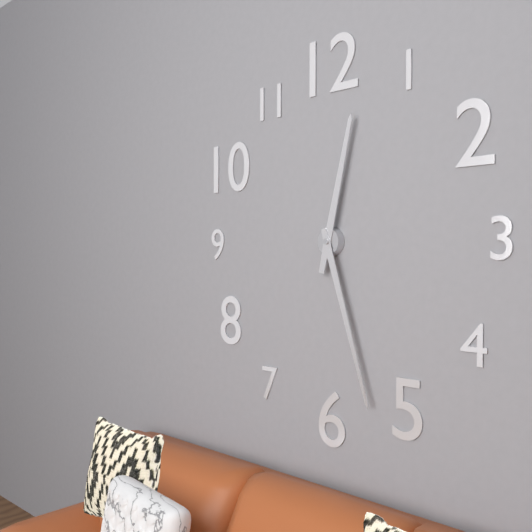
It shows 12:27
